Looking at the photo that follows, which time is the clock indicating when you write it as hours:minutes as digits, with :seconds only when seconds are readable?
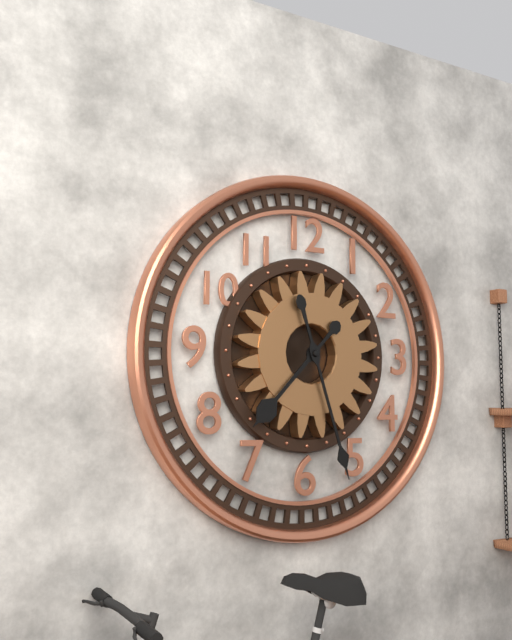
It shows 7:27
